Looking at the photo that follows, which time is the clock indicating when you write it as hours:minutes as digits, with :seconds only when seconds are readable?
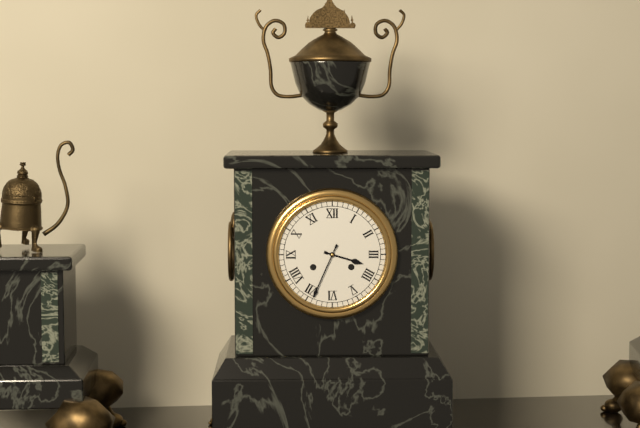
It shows 3:34
